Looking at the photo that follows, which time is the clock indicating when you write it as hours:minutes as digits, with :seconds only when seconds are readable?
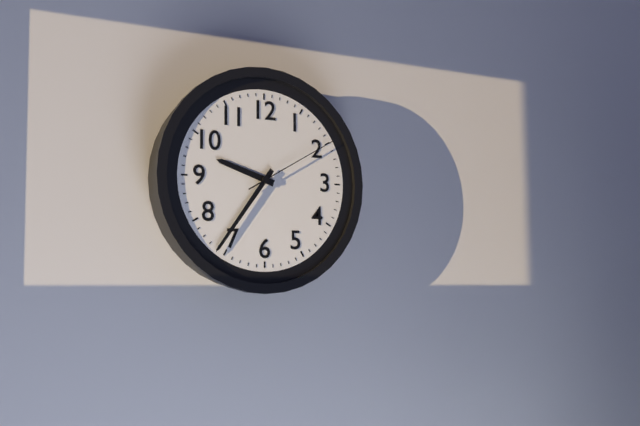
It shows 9:36:10
